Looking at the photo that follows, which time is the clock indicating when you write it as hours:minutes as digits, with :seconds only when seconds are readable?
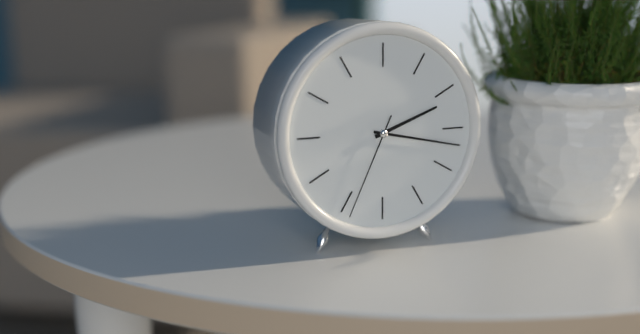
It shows 2:17:34
